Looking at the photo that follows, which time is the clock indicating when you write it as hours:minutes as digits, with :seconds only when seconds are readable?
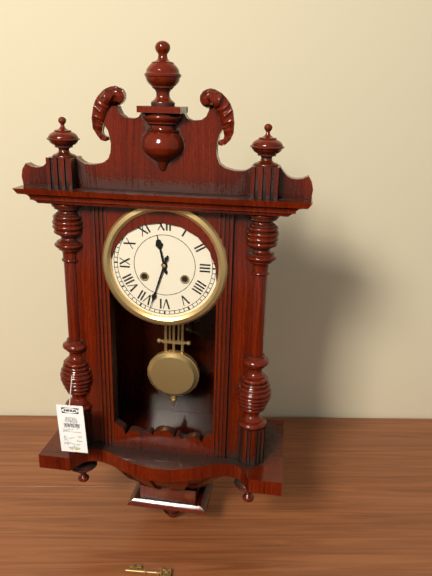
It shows 11:33
